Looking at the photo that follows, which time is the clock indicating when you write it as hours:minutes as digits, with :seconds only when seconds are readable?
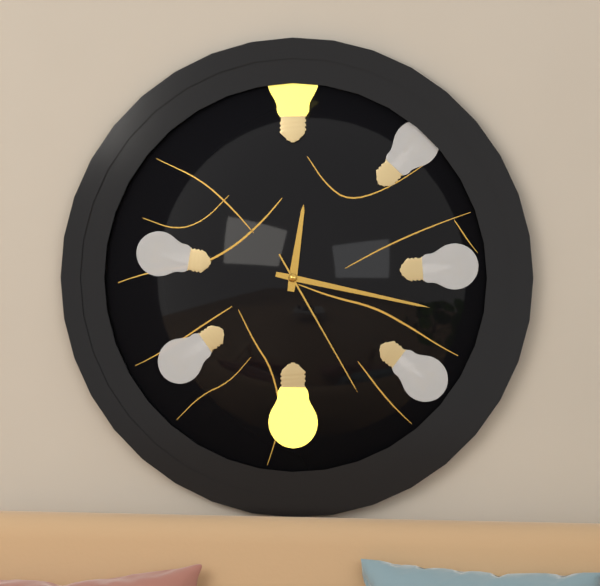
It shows 12:17:25
